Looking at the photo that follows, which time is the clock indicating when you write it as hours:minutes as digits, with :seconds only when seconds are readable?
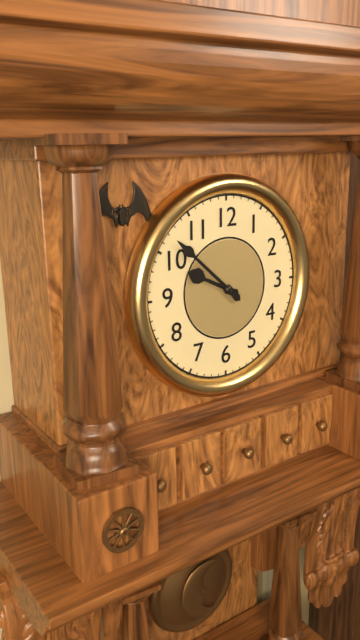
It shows 9:52
